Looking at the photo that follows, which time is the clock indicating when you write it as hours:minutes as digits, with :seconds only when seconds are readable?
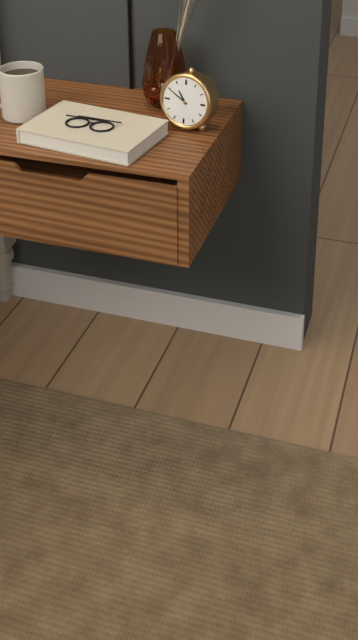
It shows 10:50
